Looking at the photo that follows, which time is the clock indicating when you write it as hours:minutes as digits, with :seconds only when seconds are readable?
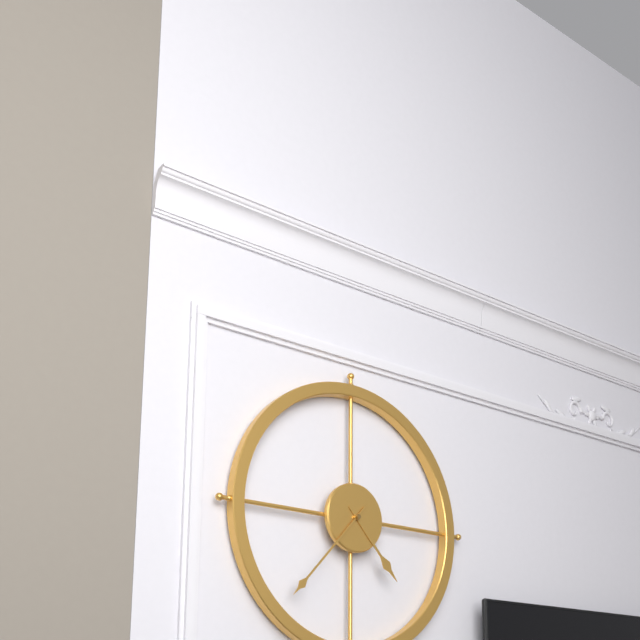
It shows 4:37
